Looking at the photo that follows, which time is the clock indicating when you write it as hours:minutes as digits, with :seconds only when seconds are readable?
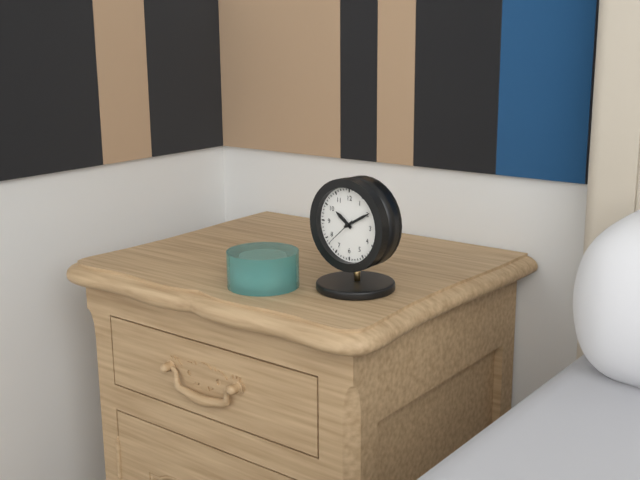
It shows 10:10
